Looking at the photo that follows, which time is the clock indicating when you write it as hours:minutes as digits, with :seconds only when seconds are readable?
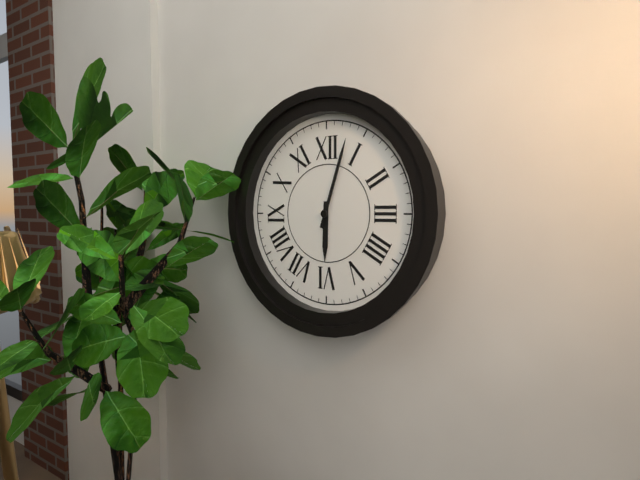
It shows 6:03
